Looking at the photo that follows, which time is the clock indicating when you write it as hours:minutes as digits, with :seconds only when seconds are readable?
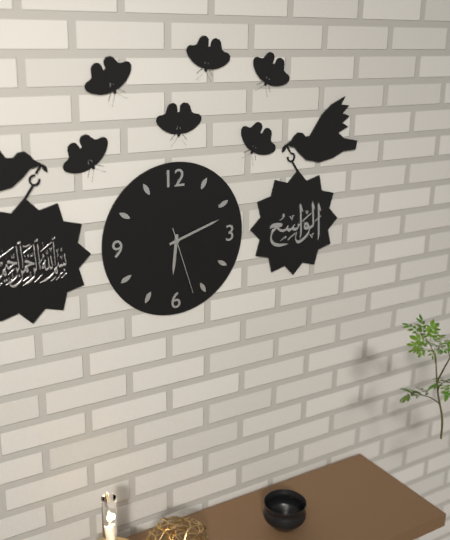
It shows 6:12:27
